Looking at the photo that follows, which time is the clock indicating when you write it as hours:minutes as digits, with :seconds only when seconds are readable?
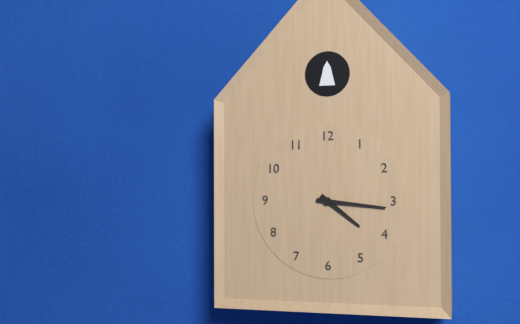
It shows 4:16
